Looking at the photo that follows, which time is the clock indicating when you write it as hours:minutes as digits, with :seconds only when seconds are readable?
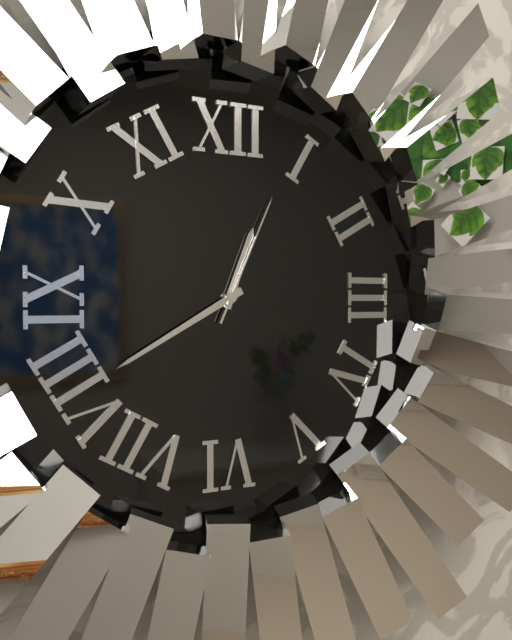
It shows 12:40:04
